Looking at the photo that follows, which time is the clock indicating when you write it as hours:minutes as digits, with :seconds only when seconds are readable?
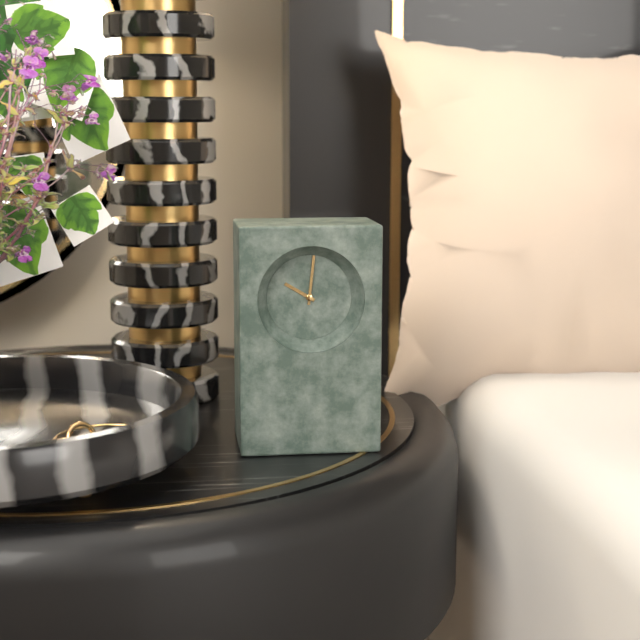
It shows 10:01
